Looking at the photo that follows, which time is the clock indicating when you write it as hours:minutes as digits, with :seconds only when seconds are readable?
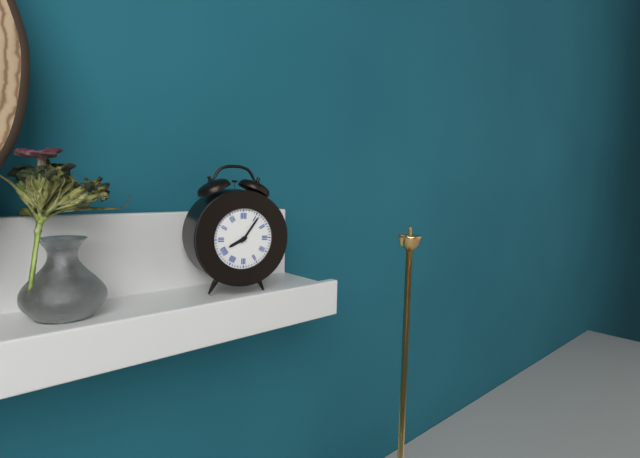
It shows 8:06
